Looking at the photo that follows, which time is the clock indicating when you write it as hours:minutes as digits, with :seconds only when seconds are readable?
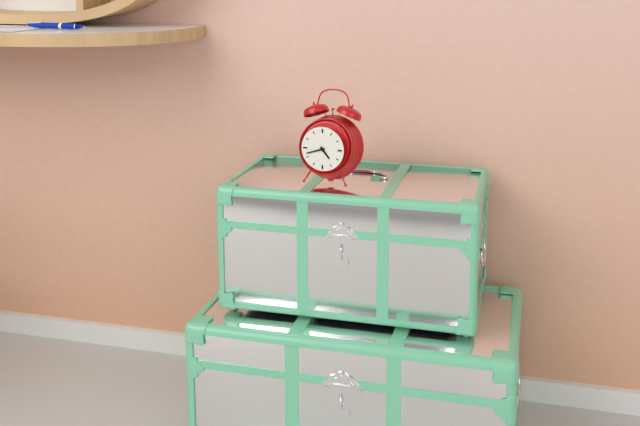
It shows 4:42
